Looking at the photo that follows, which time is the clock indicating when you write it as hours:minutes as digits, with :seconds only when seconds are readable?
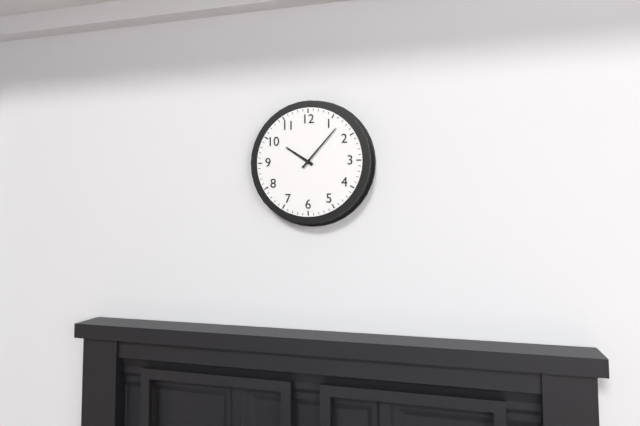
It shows 10:07
